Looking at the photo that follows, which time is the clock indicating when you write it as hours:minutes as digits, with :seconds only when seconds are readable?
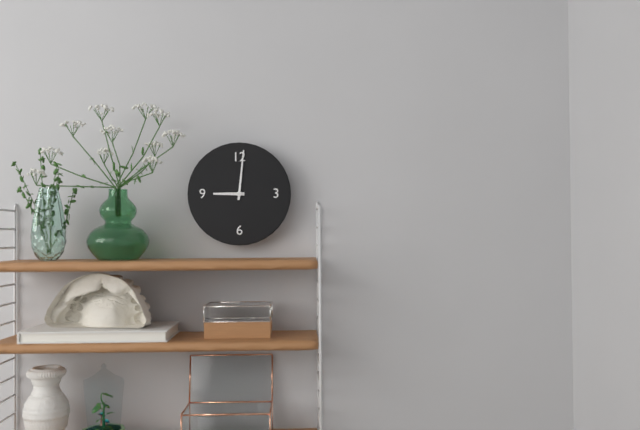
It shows 9:01
